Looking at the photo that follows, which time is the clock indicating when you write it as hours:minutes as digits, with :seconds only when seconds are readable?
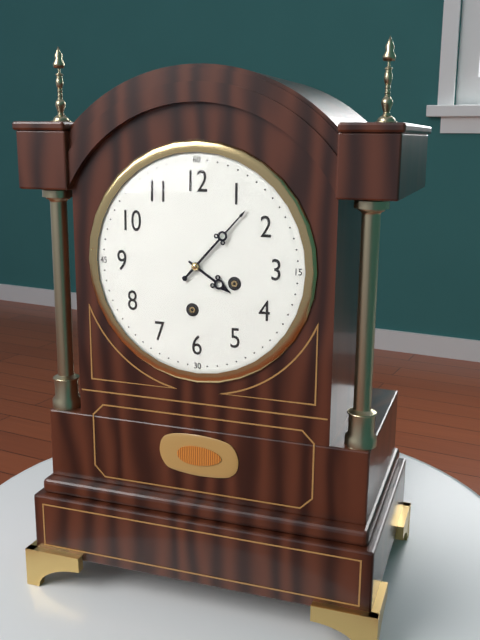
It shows 4:07
